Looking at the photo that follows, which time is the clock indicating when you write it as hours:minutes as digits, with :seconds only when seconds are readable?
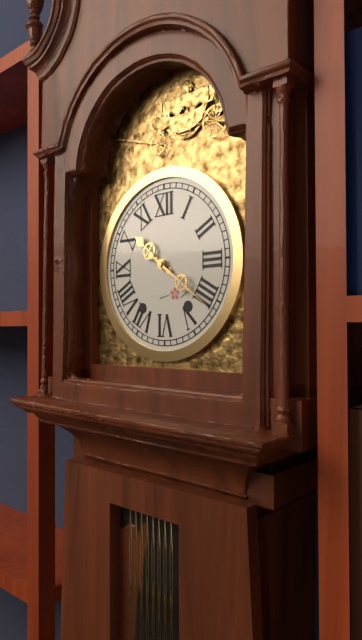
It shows 10:21
